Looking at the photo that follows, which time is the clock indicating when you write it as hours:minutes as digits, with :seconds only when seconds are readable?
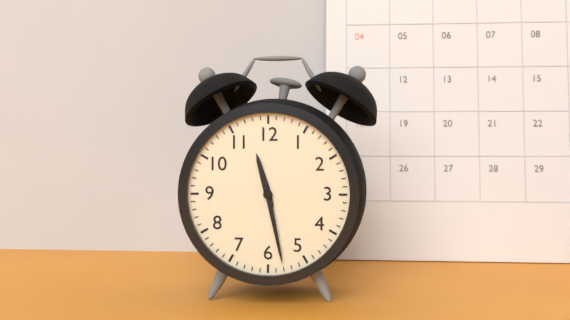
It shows 11:28
